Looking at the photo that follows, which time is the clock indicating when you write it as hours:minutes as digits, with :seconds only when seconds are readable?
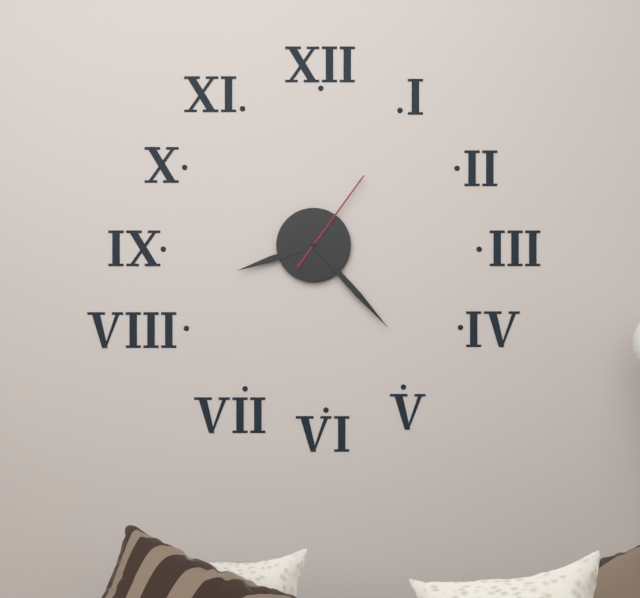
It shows 8:23:06
